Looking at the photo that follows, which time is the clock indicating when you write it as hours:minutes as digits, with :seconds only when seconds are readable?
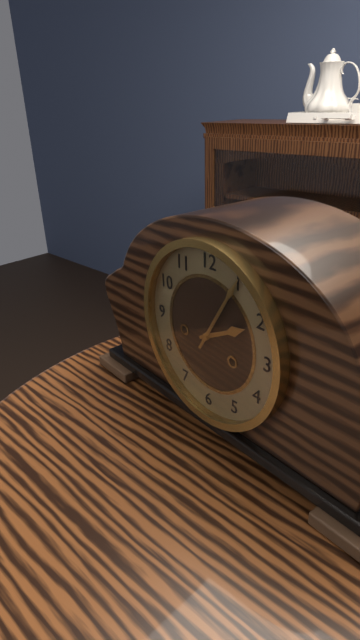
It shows 2:05
